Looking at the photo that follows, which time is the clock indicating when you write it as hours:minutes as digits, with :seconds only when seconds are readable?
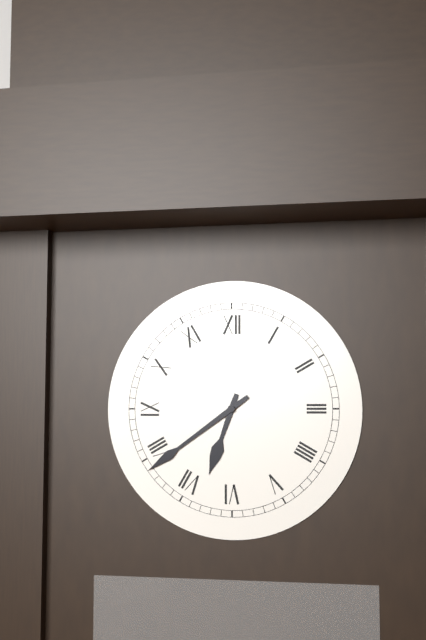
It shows 6:39
